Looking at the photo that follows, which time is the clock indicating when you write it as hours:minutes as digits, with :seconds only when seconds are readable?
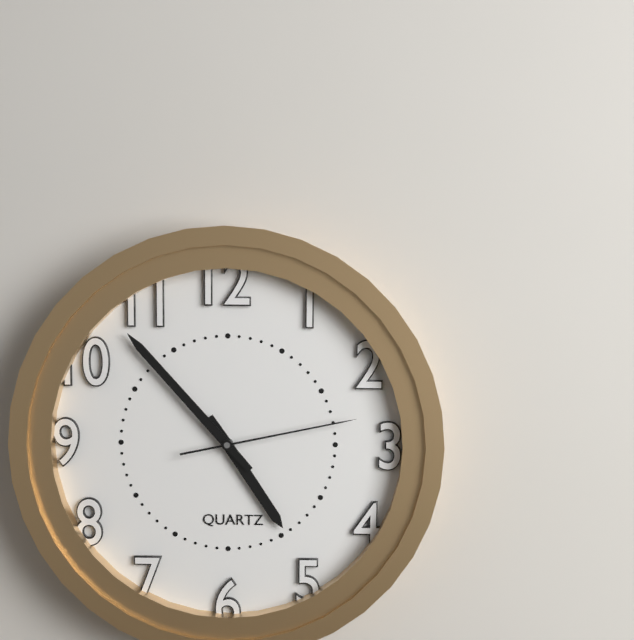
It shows 4:53:13
